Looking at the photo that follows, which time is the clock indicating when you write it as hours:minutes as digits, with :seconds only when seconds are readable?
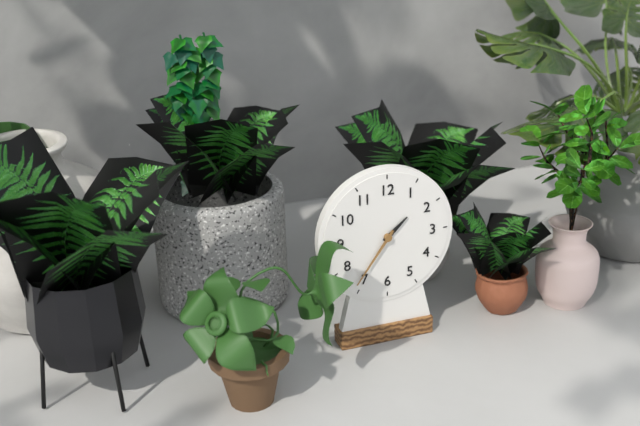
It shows 1:36
